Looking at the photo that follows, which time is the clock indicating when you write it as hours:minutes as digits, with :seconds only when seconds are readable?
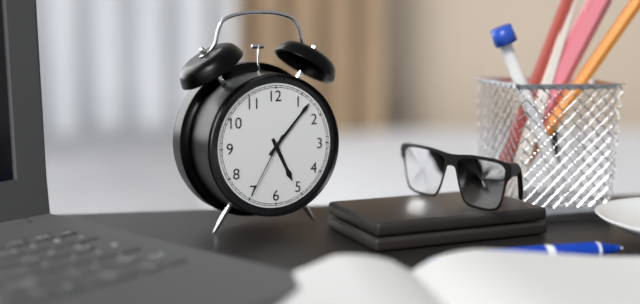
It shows 5:07:35
